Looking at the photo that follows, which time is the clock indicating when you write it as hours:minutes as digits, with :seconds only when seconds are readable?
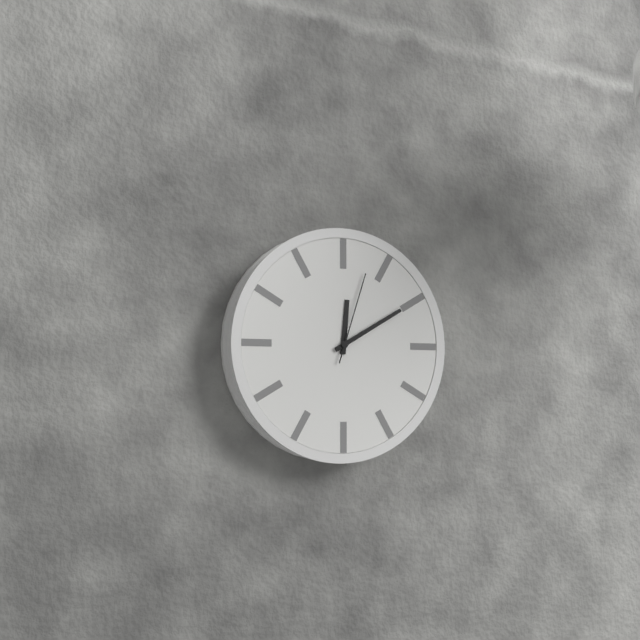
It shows 12:10:03
